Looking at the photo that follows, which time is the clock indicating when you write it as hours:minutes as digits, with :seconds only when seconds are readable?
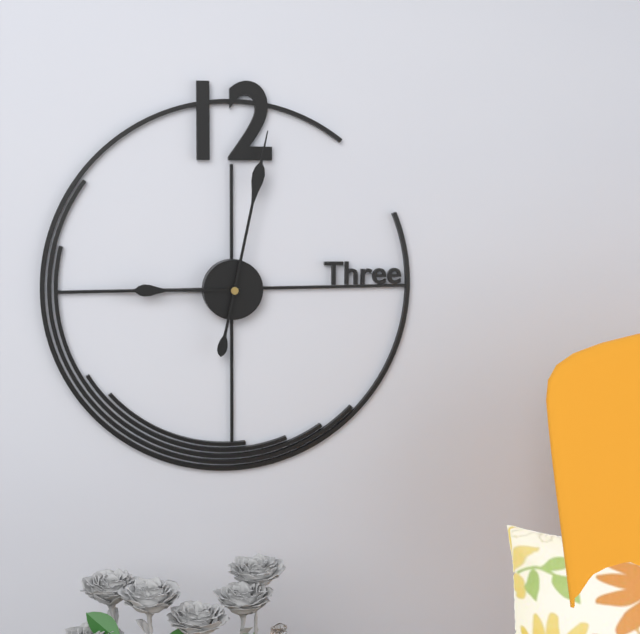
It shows 9:02
